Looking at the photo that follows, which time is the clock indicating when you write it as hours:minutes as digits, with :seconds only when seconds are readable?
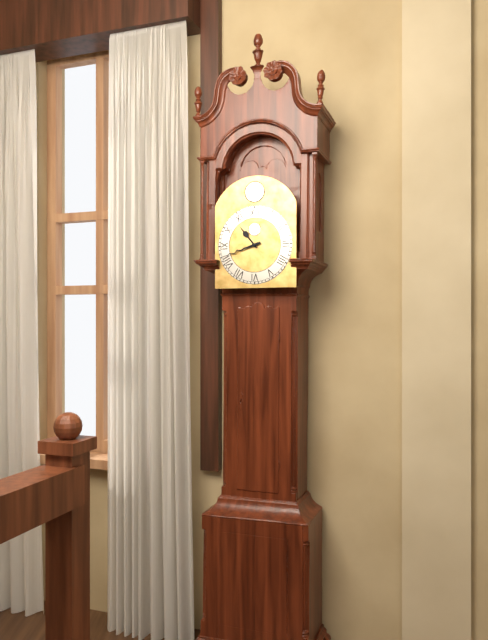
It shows 10:42
